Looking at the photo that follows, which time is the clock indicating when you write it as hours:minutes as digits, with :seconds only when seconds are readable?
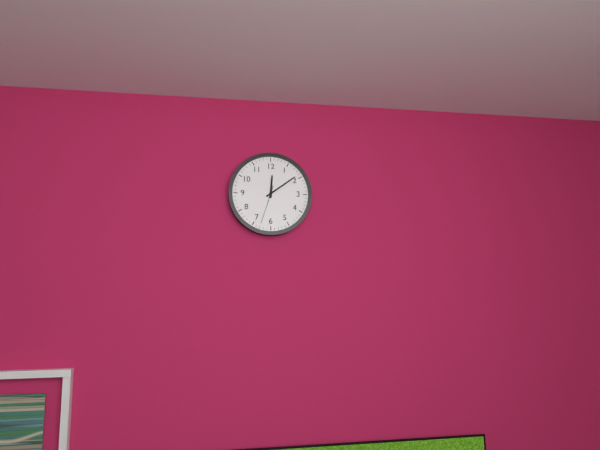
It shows 12:09
